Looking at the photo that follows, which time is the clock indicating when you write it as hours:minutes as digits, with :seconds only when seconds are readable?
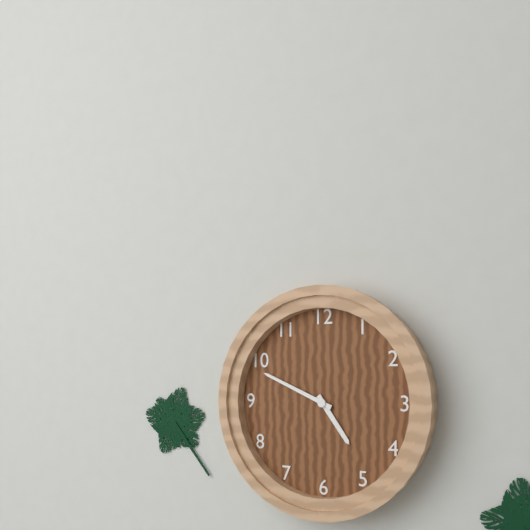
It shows 4:49
